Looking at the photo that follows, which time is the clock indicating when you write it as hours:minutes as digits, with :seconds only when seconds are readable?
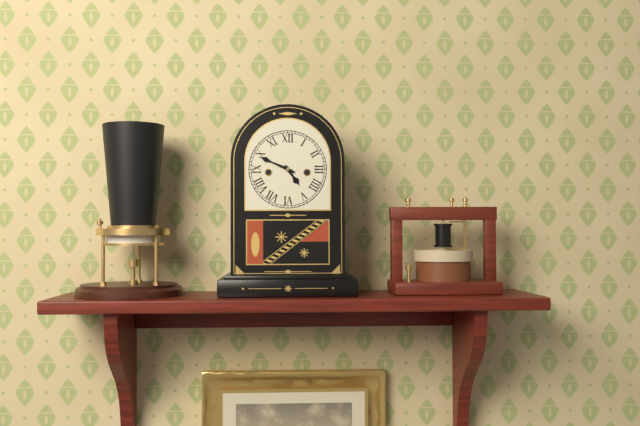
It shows 4:49
